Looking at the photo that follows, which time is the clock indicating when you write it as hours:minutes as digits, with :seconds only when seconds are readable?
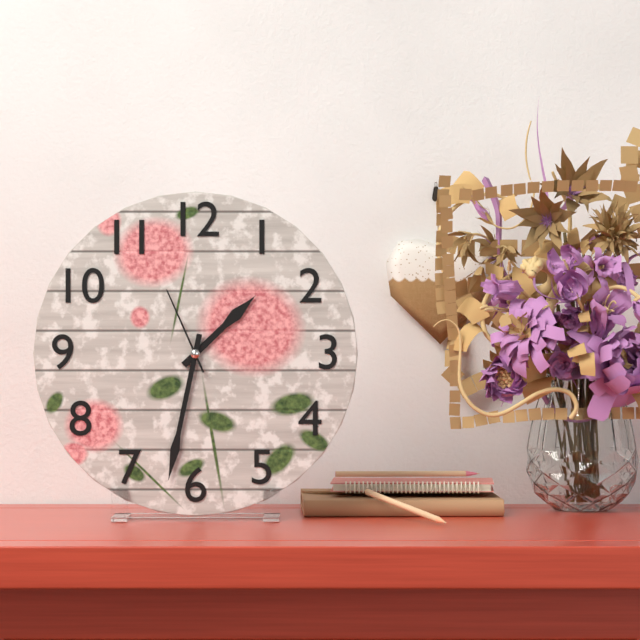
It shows 1:32:56
